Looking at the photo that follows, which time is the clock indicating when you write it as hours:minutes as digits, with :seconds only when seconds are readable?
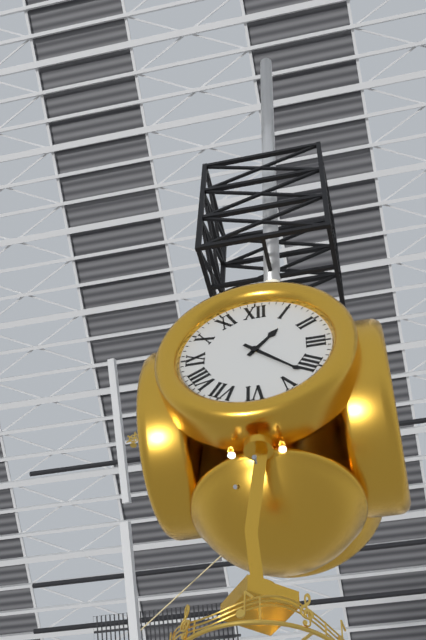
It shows 1:22
